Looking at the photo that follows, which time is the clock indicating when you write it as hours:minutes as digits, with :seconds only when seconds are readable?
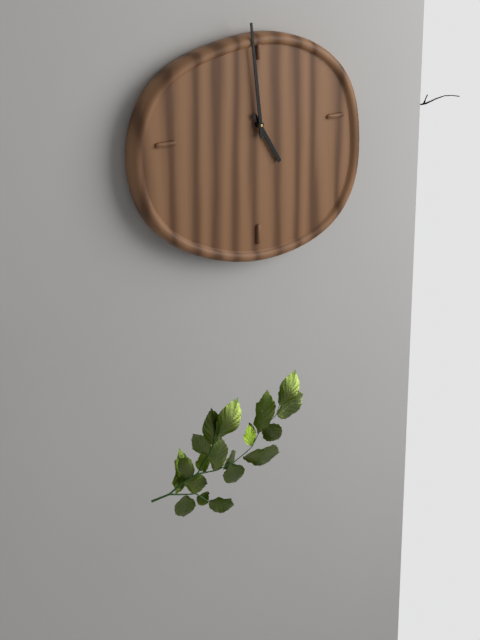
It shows 4:59
